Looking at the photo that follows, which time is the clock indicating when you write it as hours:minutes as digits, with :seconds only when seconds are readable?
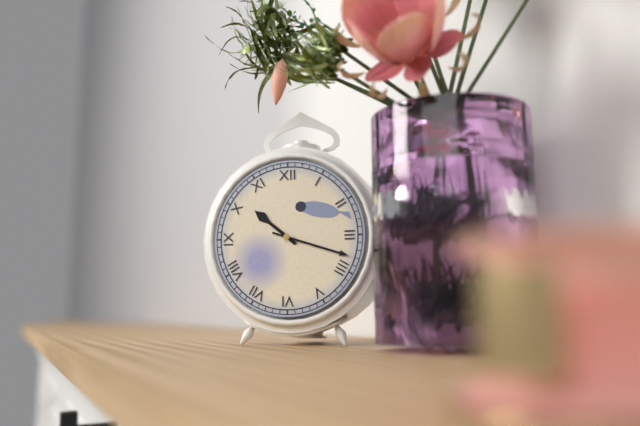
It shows 10:18
